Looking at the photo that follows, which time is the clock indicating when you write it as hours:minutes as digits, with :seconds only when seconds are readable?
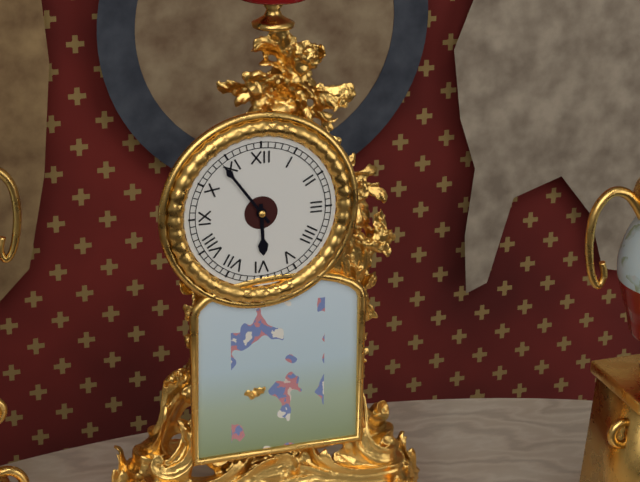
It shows 5:54
